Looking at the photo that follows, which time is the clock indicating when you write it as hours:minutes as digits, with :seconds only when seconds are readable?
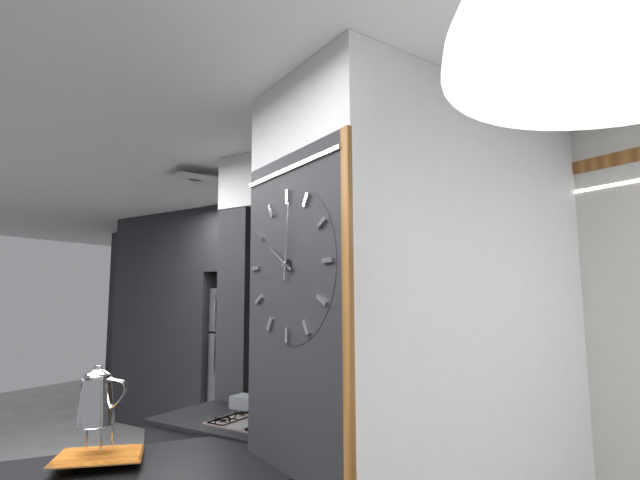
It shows 10:01
